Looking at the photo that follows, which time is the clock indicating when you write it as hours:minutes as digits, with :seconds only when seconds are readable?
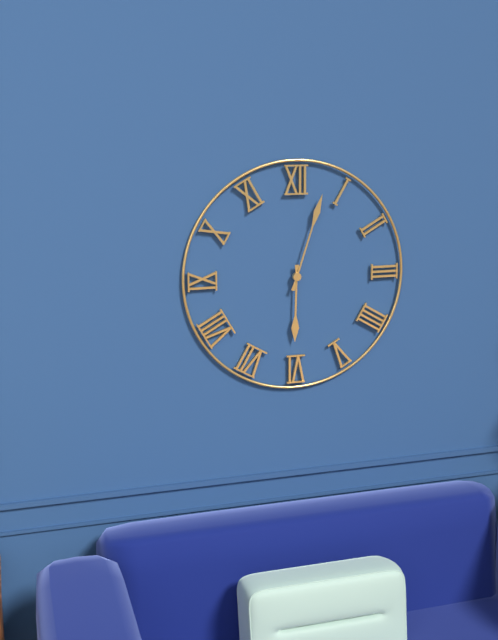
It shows 6:03
